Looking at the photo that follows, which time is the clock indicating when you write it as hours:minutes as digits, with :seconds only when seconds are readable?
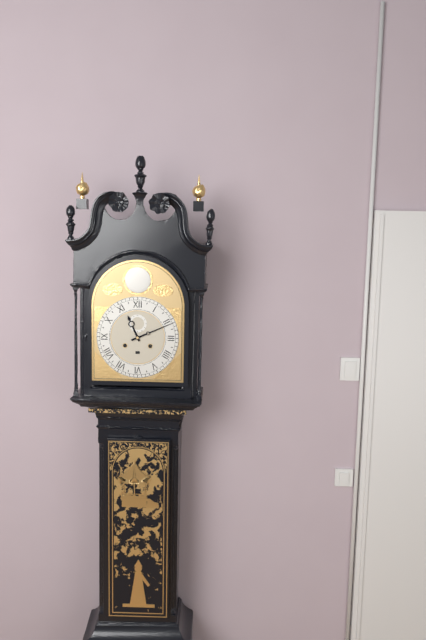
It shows 11:11
